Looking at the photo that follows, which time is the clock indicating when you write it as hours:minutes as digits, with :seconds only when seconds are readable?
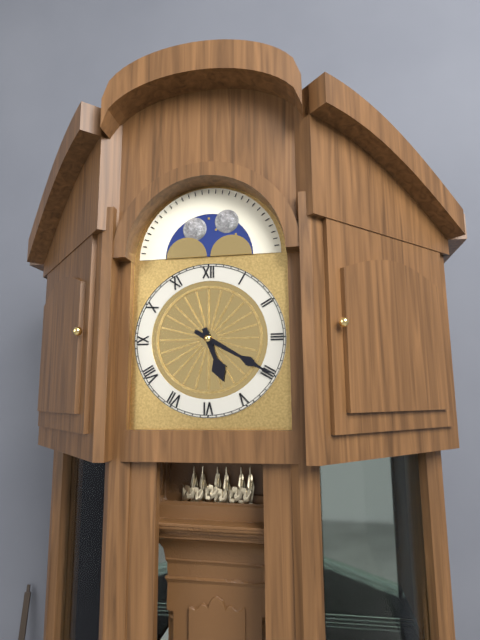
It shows 5:20
